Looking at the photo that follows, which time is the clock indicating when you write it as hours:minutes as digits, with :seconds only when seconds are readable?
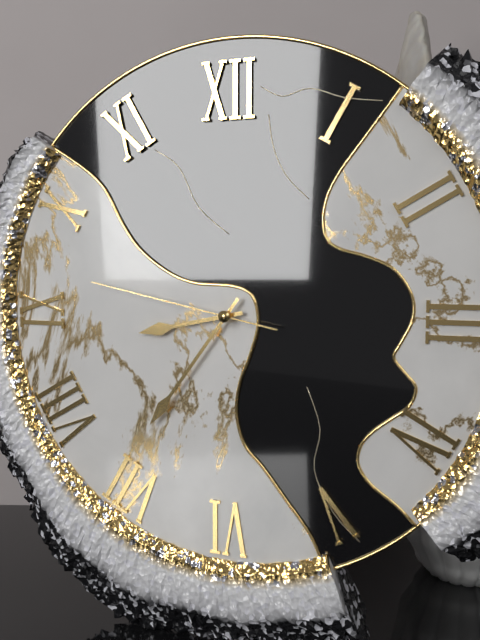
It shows 8:36:47
